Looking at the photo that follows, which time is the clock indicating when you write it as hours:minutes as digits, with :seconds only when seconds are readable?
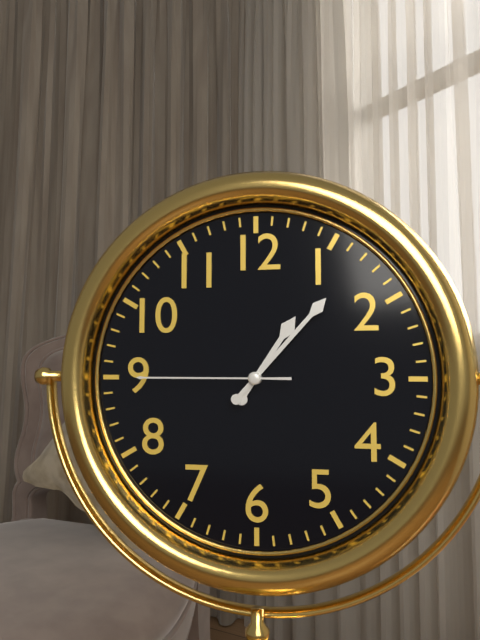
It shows 1:07:45
